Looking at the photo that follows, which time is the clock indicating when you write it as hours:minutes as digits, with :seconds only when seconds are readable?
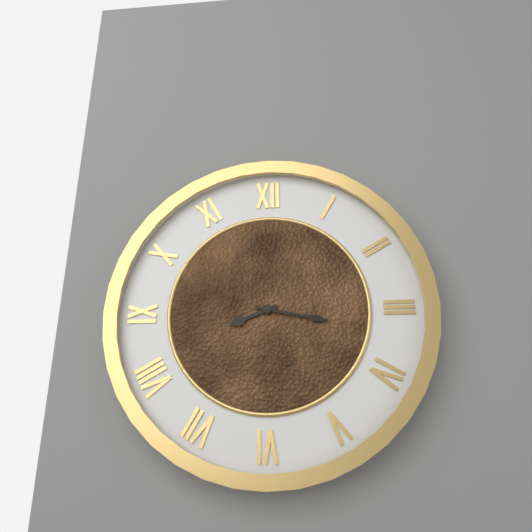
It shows 8:17
